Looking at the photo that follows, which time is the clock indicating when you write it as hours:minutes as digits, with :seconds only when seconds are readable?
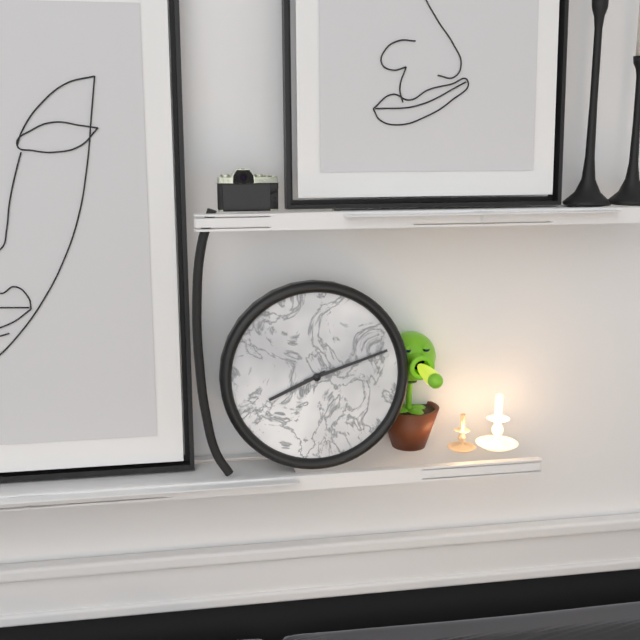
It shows 8:12
